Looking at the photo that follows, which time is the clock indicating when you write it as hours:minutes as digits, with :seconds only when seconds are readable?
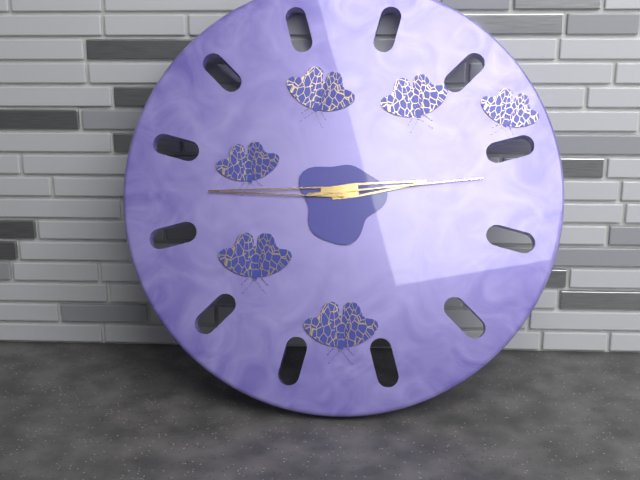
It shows 2:45:14
